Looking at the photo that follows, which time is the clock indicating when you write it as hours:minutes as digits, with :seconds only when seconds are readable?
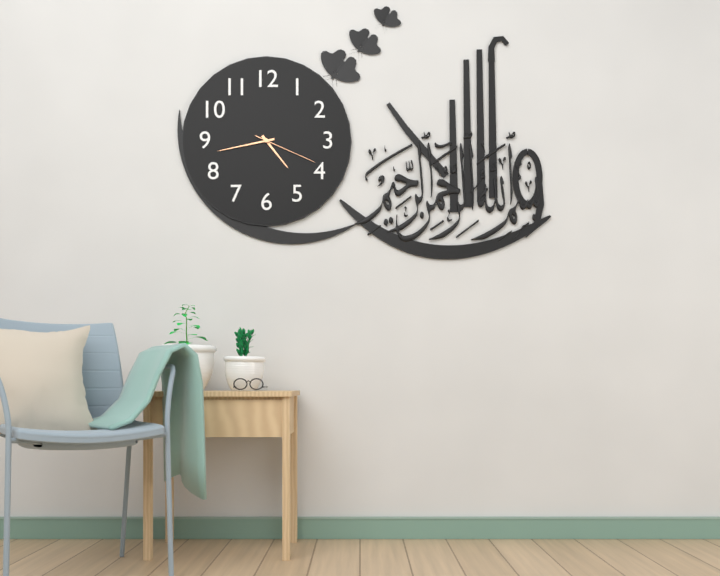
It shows 4:43:19
